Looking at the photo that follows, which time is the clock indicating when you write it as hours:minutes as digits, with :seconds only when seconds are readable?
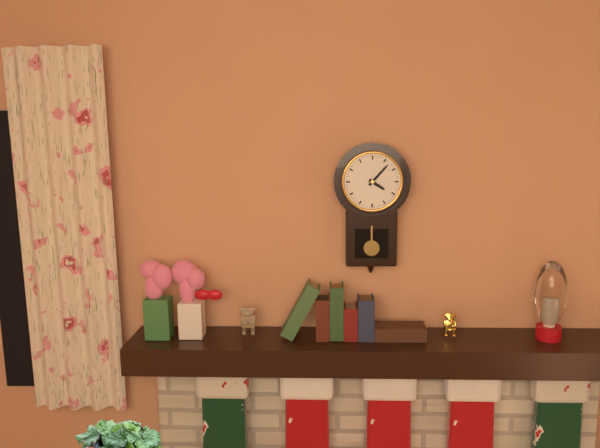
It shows 4:07
